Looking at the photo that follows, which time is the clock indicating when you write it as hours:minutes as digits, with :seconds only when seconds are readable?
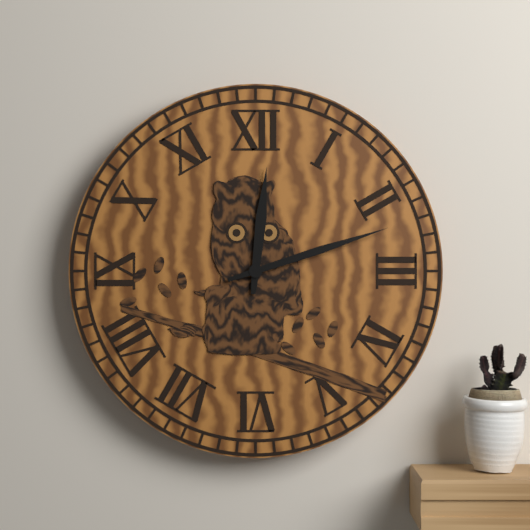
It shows 12:12
